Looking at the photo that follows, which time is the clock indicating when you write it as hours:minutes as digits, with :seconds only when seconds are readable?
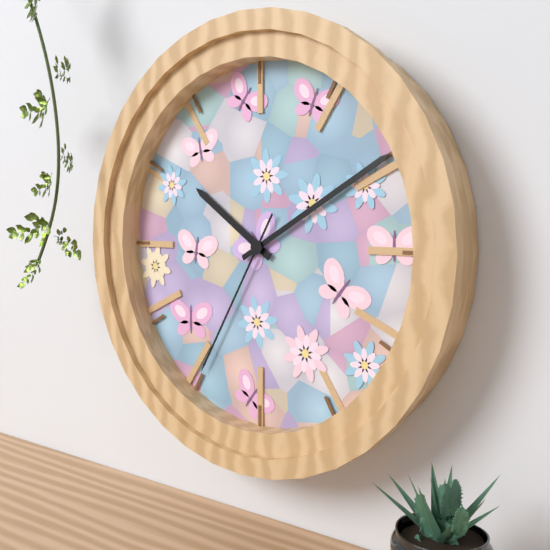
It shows 10:10:35
